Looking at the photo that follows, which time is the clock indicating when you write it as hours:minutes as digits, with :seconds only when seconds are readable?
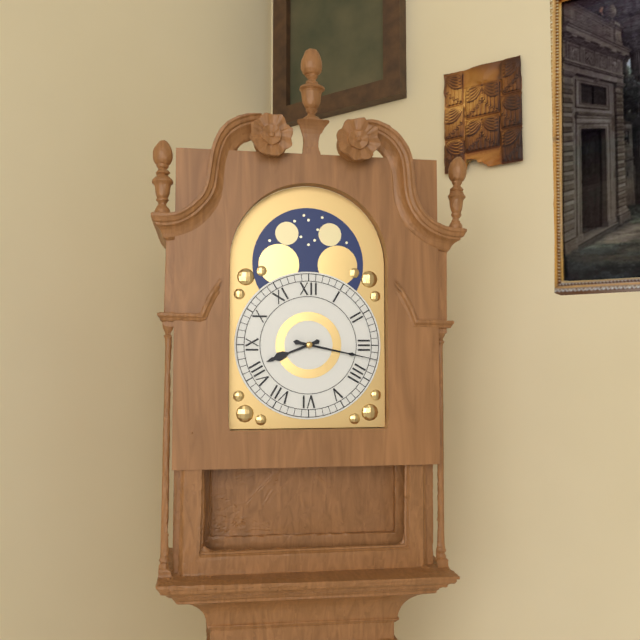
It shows 8:17
